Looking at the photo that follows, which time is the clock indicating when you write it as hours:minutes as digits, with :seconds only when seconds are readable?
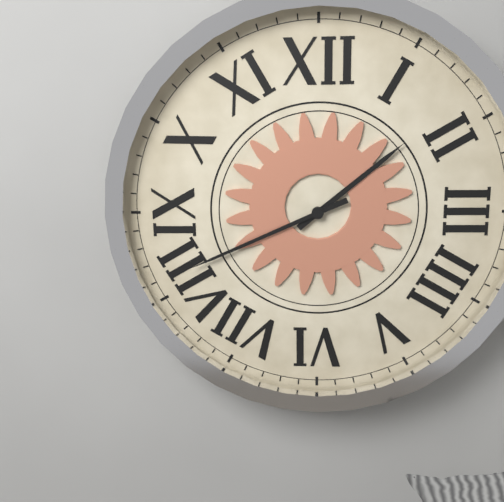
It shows 1:41
